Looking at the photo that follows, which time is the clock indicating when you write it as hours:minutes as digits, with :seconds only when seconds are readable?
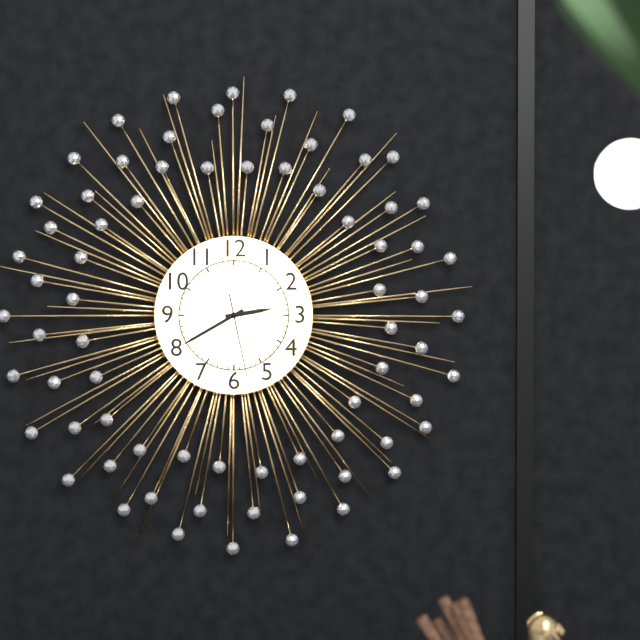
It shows 2:40:28
